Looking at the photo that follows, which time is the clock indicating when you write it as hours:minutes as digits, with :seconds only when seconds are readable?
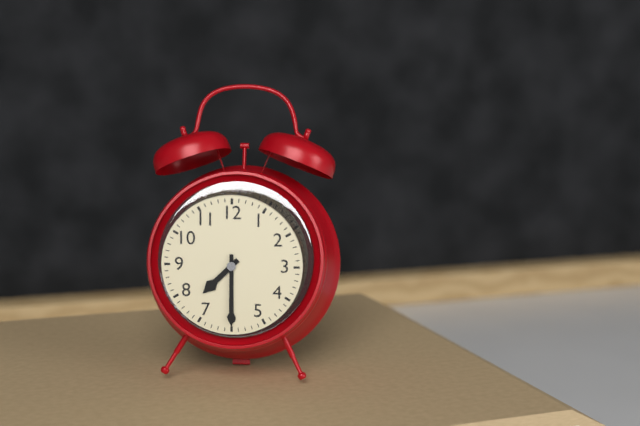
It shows 7:30
